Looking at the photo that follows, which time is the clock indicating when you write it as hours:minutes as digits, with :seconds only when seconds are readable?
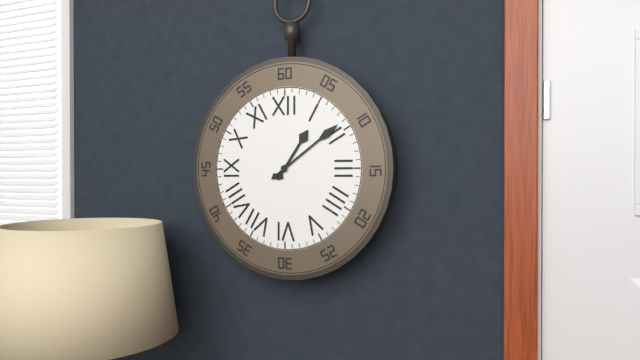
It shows 1:09
